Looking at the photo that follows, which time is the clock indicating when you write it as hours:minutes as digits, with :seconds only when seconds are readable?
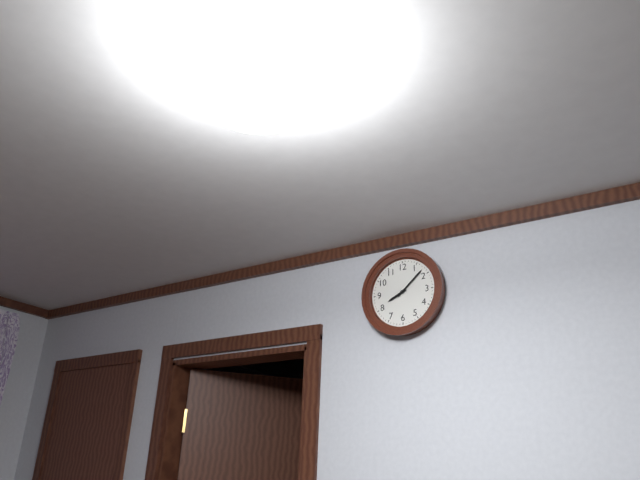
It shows 8:08
